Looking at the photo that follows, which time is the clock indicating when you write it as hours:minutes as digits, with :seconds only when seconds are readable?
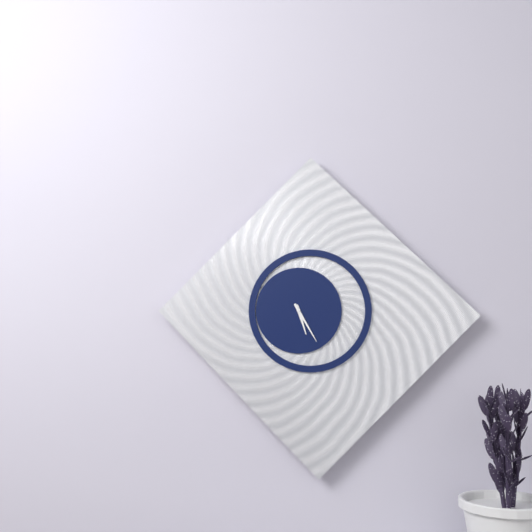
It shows 5:25
